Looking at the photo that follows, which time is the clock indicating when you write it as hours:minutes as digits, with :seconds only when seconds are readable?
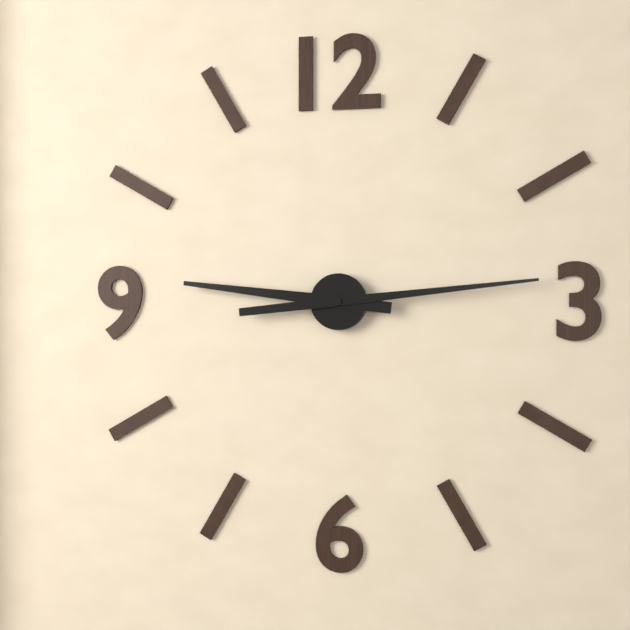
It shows 9:14
